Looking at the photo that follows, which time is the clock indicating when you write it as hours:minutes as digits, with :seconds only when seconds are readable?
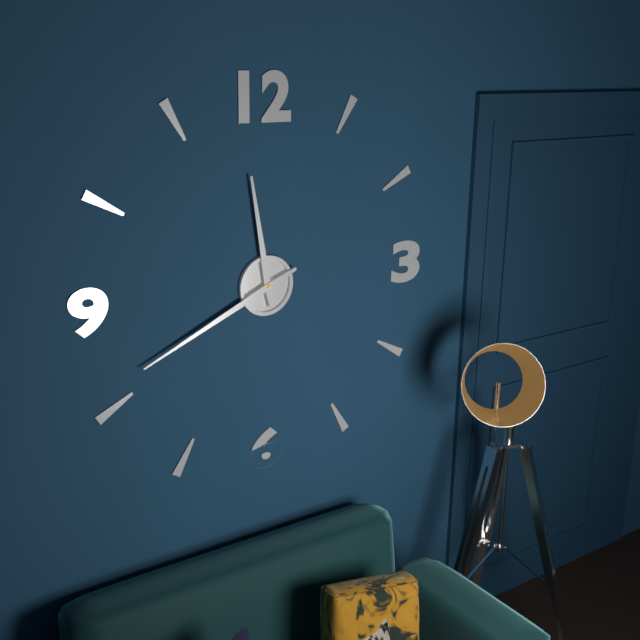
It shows 11:41
